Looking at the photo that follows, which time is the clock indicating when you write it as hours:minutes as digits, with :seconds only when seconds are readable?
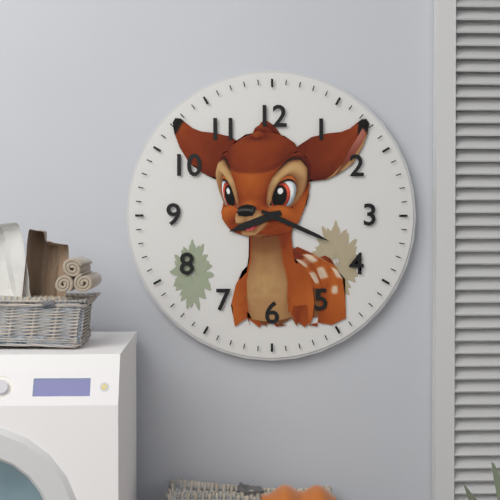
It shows 8:19
